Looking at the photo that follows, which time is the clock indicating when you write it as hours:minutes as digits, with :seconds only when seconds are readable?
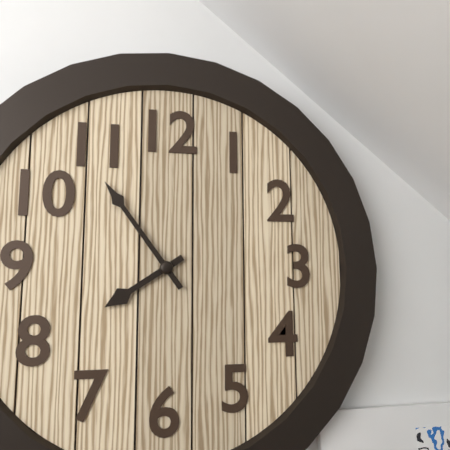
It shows 7:54
